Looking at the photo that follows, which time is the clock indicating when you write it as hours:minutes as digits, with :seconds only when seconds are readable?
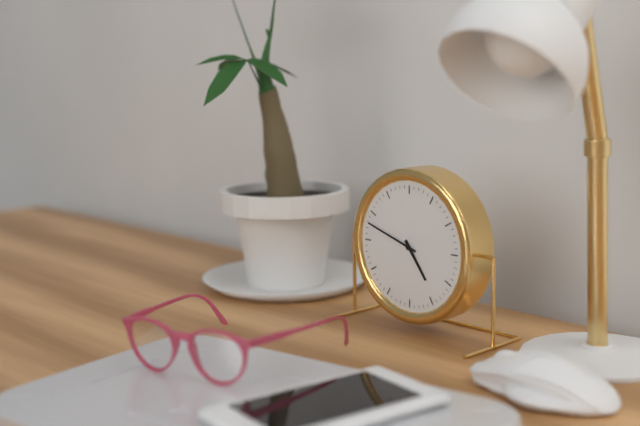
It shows 4:48
